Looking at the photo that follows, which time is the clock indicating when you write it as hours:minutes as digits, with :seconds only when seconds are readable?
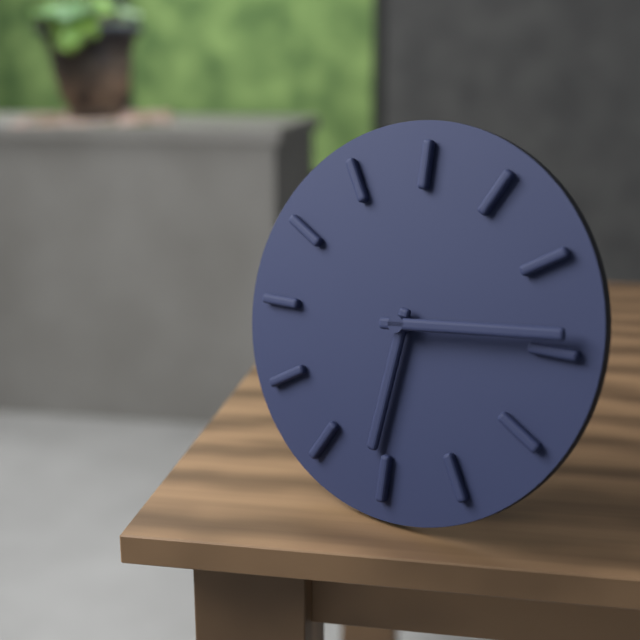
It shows 6:14
